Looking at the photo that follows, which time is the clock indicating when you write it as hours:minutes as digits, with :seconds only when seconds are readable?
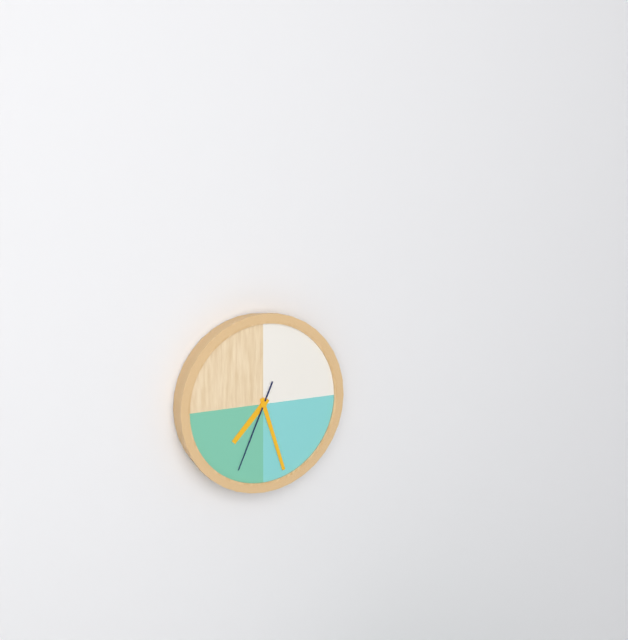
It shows 7:27:34
